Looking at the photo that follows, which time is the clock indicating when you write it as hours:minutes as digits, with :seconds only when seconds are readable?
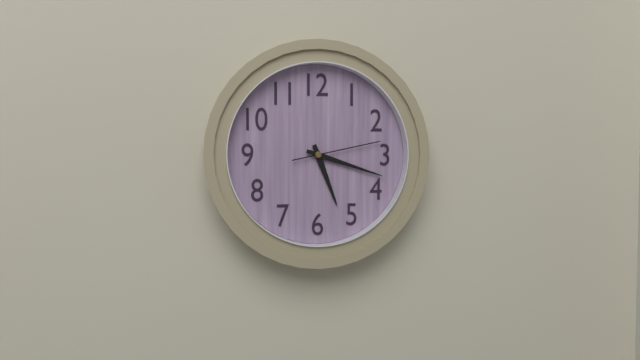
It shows 5:18:13
